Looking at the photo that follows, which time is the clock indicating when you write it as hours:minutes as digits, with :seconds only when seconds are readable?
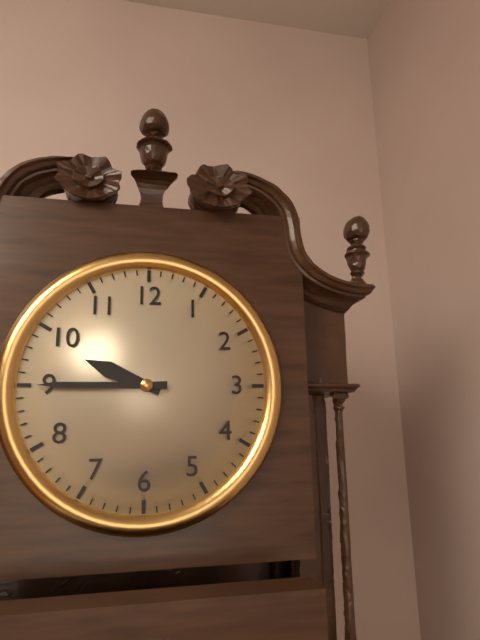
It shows 9:45
